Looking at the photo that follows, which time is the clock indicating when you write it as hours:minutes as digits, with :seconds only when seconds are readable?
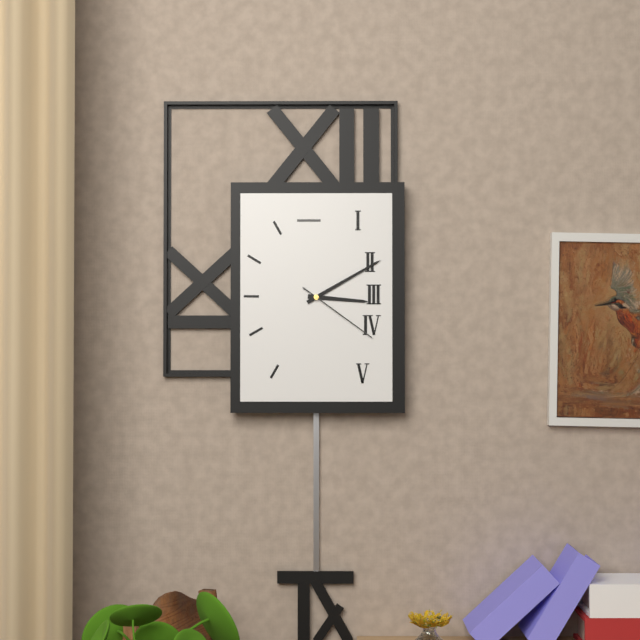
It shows 3:10:21
